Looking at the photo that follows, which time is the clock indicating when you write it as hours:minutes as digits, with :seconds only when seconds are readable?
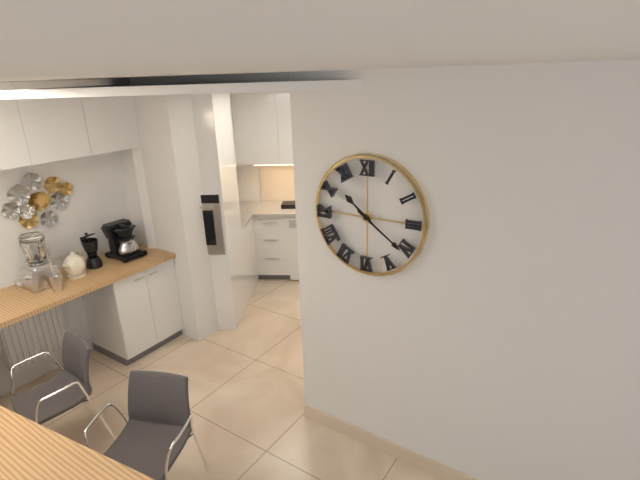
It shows 10:21
